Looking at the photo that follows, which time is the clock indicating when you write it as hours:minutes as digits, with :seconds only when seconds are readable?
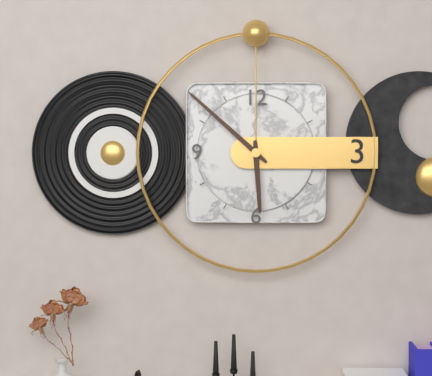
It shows 5:52
